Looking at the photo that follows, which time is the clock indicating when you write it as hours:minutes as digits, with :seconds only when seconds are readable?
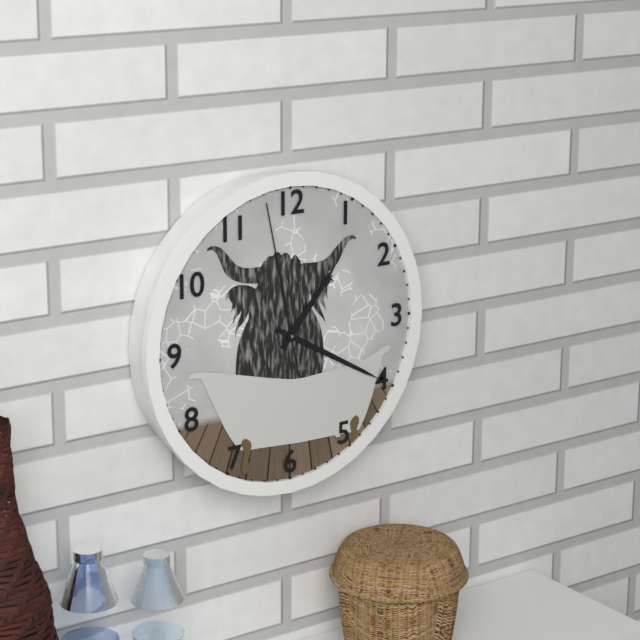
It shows 1:20:58
